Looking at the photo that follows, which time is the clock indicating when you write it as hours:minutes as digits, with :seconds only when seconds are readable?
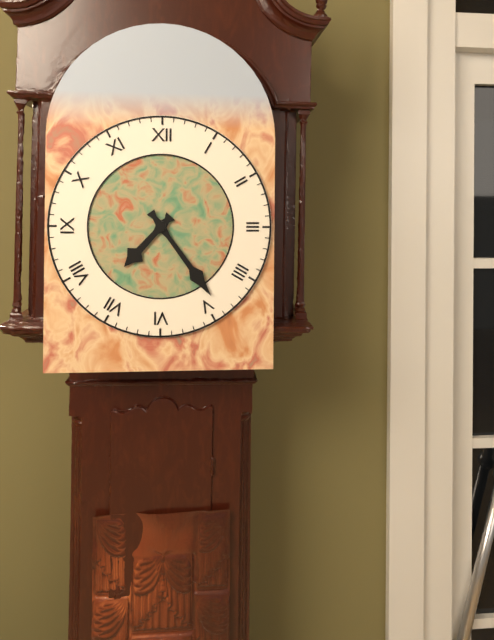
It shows 7:24
